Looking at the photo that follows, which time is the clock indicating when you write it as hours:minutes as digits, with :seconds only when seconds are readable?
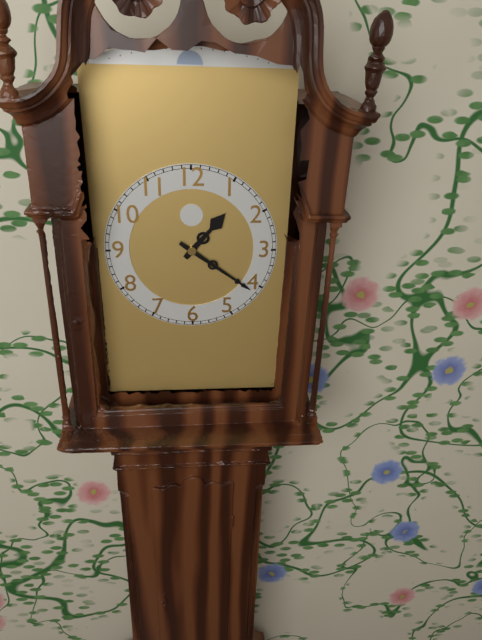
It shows 1:21
